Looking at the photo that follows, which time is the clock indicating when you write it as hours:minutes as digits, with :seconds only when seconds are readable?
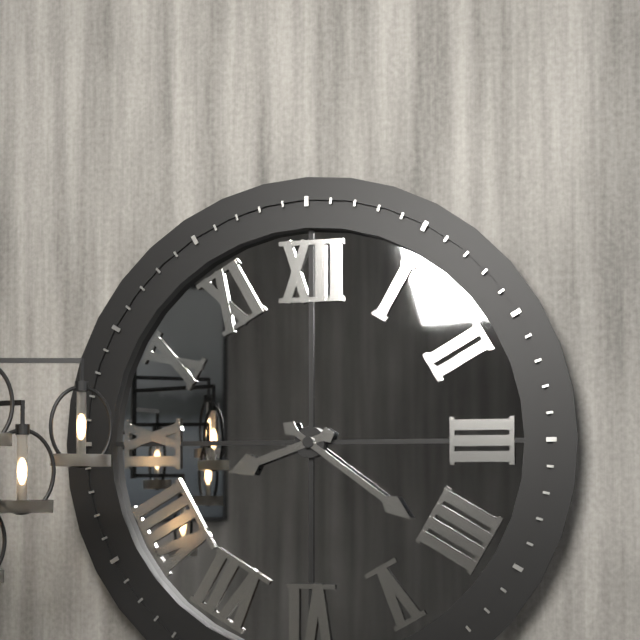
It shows 8:21
